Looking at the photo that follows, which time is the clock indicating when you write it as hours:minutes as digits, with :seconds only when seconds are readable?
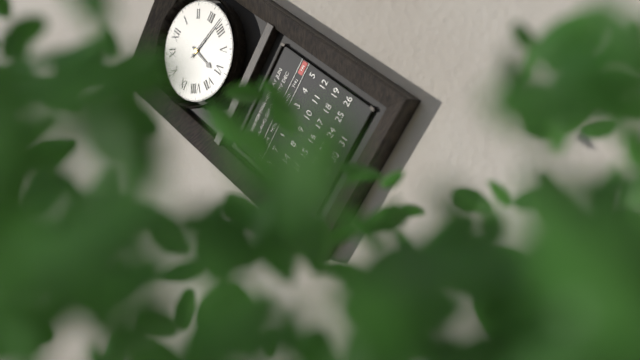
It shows 6:18
